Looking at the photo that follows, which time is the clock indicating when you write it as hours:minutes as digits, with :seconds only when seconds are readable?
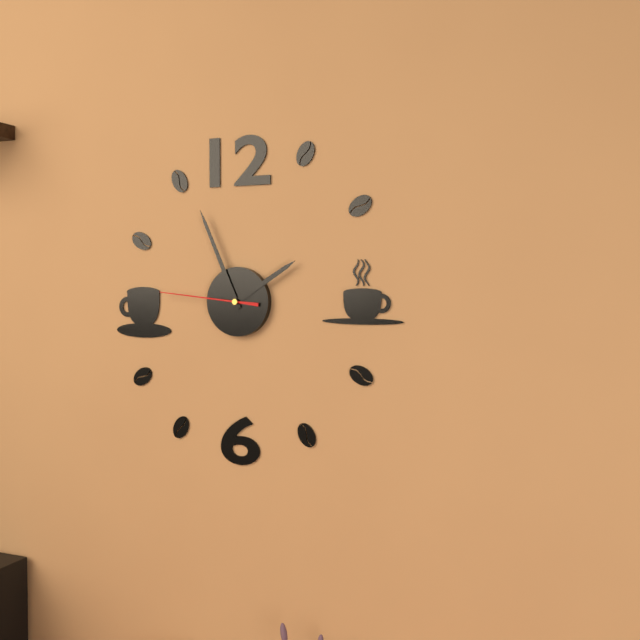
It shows 1:56:46
